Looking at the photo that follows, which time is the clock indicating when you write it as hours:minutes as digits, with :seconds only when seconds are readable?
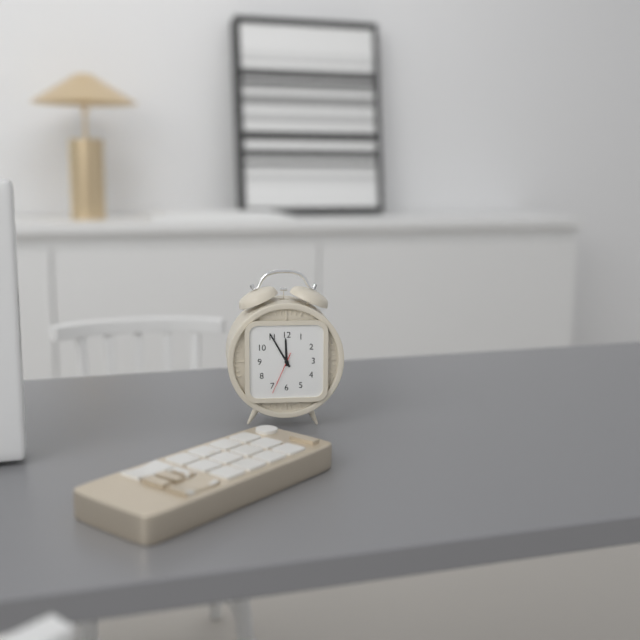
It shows 11:55
